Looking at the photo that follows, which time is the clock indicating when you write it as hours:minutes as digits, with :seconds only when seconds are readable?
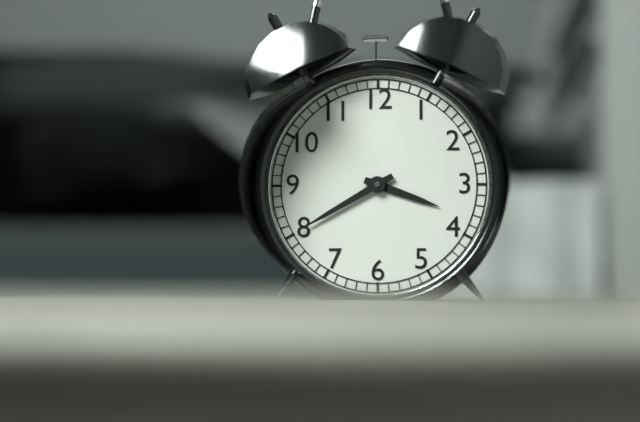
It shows 3:40
